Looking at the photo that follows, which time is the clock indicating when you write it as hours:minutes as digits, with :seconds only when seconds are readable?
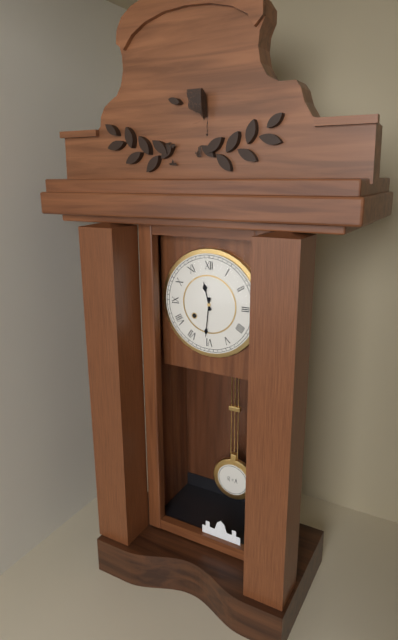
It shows 11:31
